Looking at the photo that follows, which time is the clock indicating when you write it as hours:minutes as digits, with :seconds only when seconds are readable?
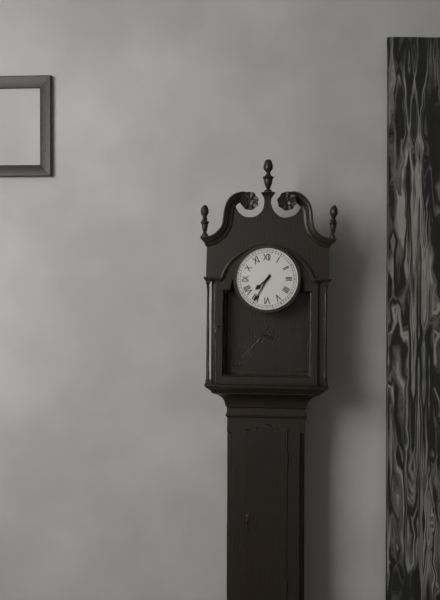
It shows 7:35
